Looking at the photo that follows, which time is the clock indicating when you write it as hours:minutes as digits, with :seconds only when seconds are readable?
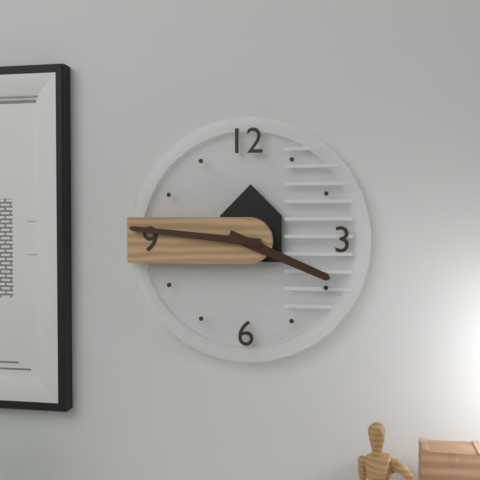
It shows 3:46
